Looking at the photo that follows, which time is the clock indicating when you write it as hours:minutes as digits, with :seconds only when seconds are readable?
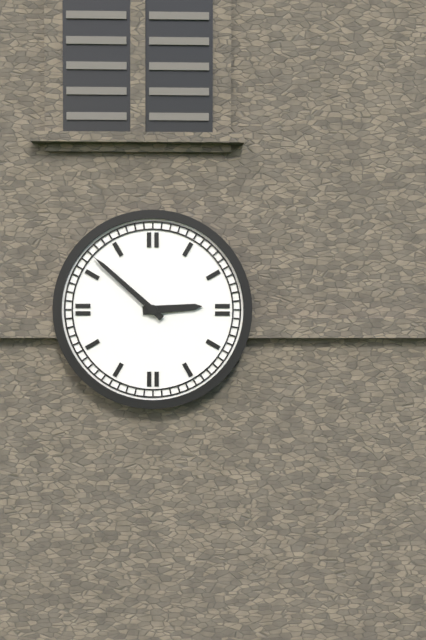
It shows 2:52
